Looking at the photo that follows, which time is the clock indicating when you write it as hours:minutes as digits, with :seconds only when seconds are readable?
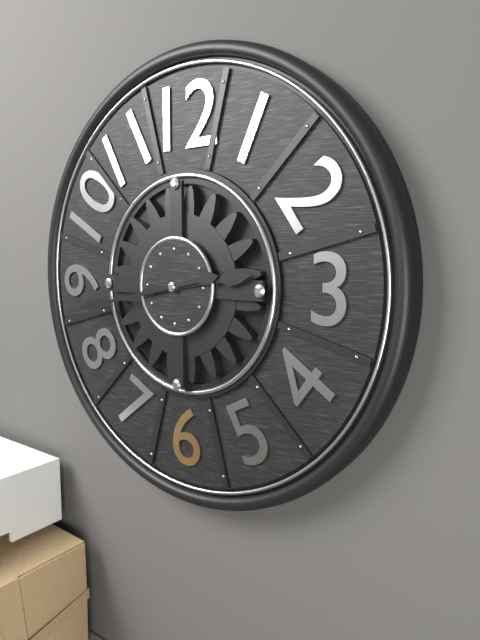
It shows 2:43
